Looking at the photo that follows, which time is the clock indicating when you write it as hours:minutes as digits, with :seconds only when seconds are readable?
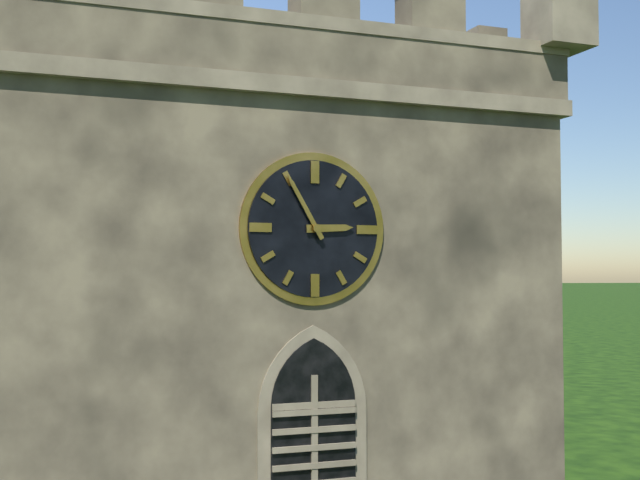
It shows 2:55
